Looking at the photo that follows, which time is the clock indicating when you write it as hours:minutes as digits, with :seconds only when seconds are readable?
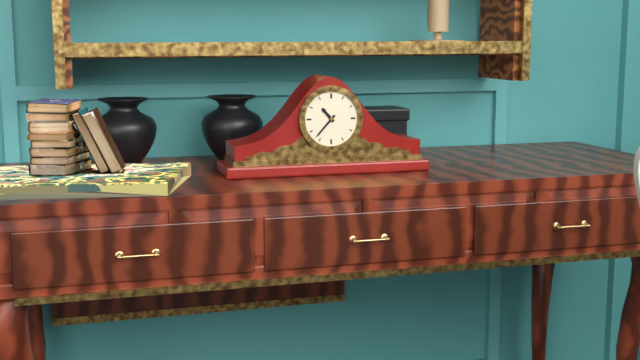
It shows 10:37
